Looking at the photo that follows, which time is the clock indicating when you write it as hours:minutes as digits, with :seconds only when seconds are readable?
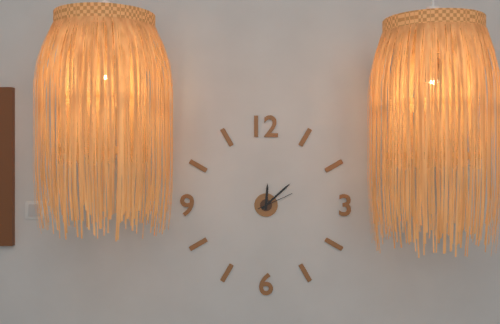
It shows 12:08
